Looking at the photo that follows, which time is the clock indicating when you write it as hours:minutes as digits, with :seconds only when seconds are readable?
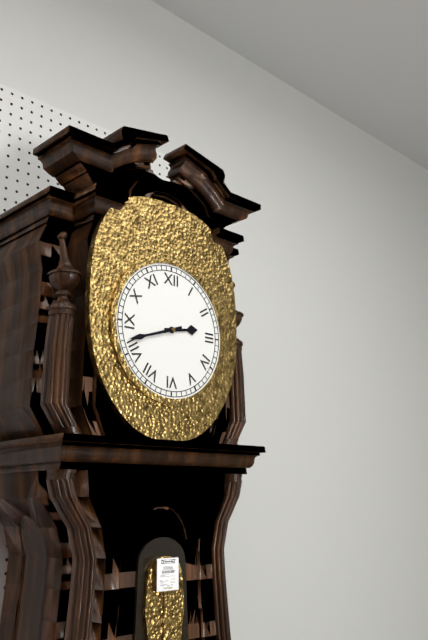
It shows 2:42
